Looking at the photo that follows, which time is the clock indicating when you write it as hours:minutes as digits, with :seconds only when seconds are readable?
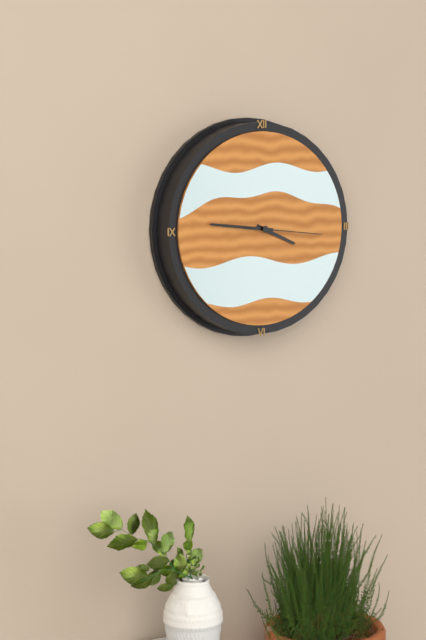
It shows 3:46:16
